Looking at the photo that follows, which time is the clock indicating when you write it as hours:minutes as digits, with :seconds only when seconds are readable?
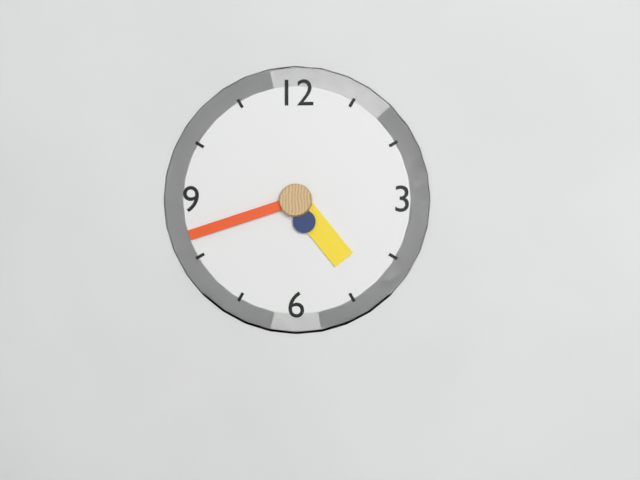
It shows 4:42
